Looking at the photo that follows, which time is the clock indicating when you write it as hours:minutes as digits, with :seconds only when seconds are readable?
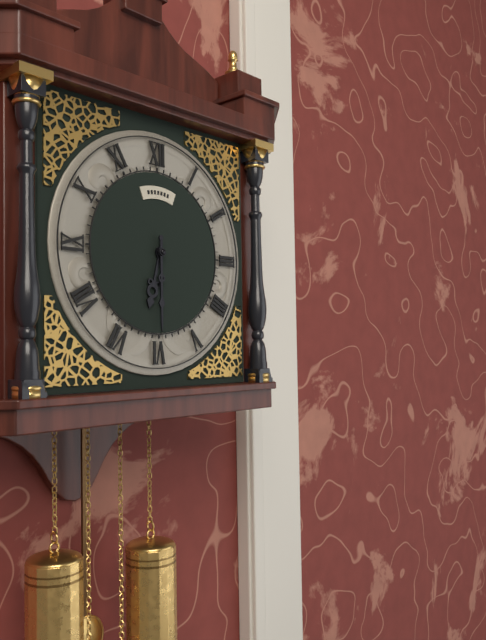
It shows 6:30
